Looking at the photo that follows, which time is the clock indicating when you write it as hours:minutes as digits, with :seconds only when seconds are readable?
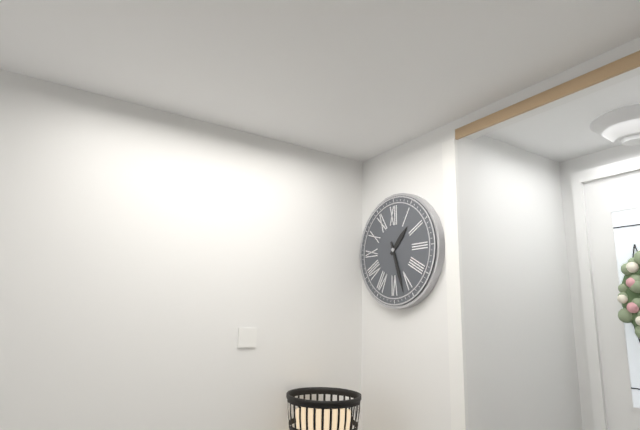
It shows 1:27
